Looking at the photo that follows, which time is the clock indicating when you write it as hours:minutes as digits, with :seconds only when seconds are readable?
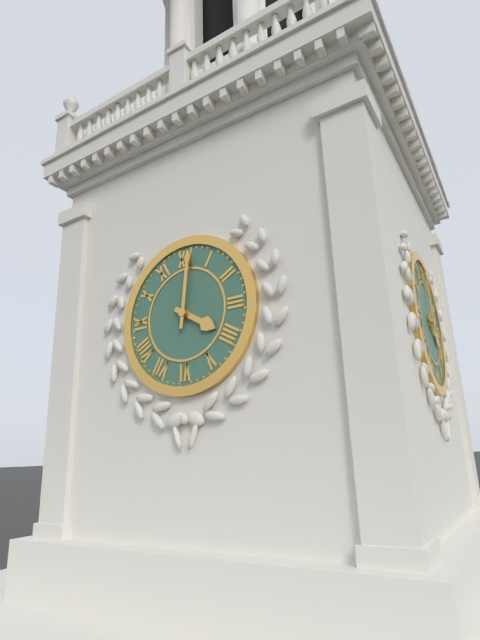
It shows 4:01
